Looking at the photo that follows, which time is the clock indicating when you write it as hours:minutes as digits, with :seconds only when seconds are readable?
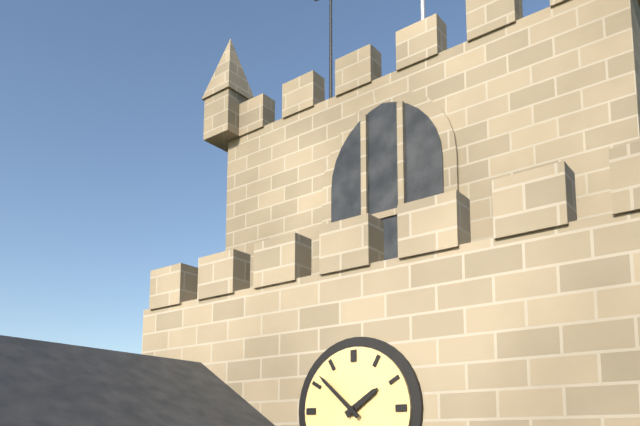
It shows 1:52
